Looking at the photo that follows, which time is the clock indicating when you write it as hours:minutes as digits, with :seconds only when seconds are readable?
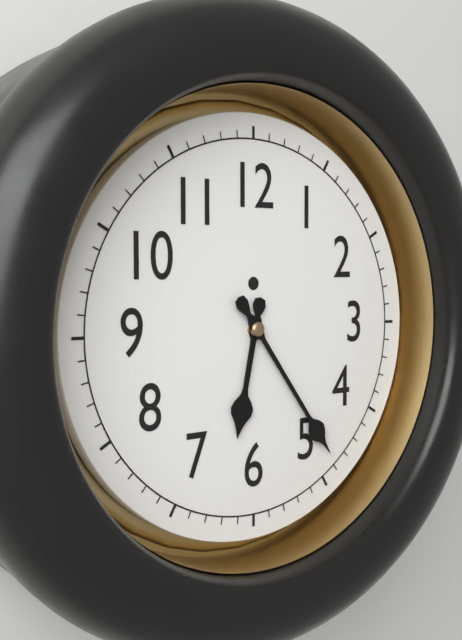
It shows 6:24
